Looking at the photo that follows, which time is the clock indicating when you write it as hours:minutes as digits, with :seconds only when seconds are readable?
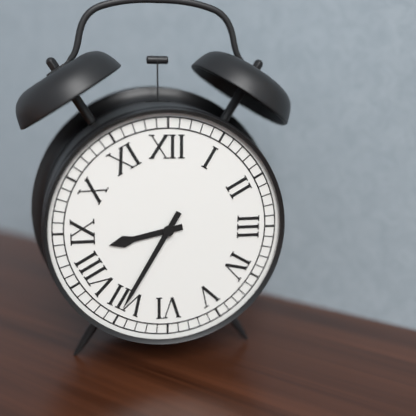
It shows 8:35
